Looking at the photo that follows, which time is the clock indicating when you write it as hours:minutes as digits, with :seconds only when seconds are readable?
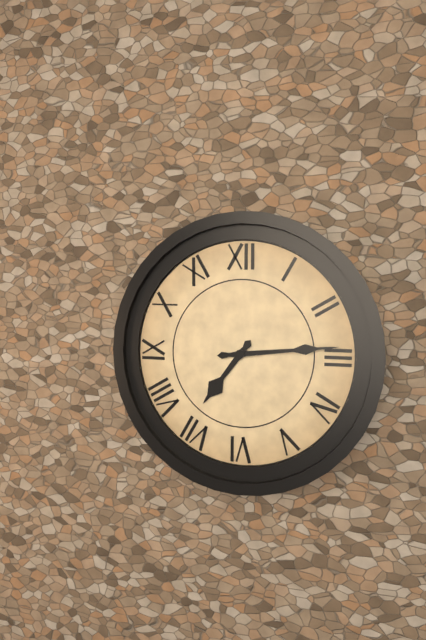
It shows 7:14
